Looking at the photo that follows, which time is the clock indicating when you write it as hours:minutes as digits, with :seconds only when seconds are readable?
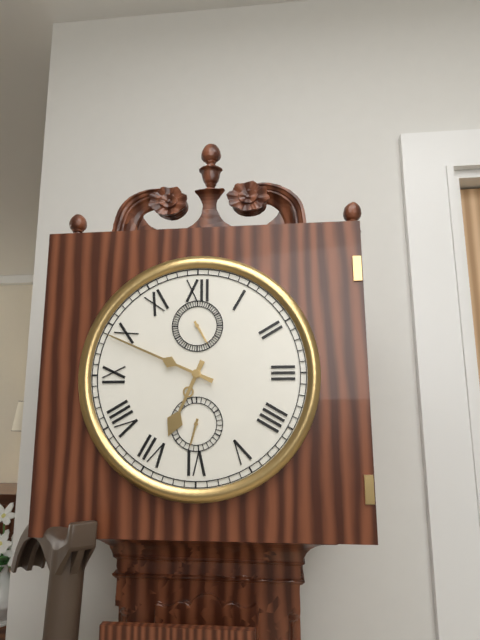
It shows 6:49
